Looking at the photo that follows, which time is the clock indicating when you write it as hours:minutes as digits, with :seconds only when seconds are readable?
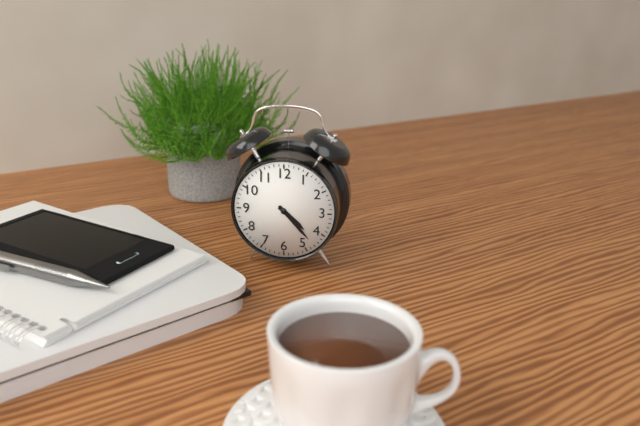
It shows 4:23
